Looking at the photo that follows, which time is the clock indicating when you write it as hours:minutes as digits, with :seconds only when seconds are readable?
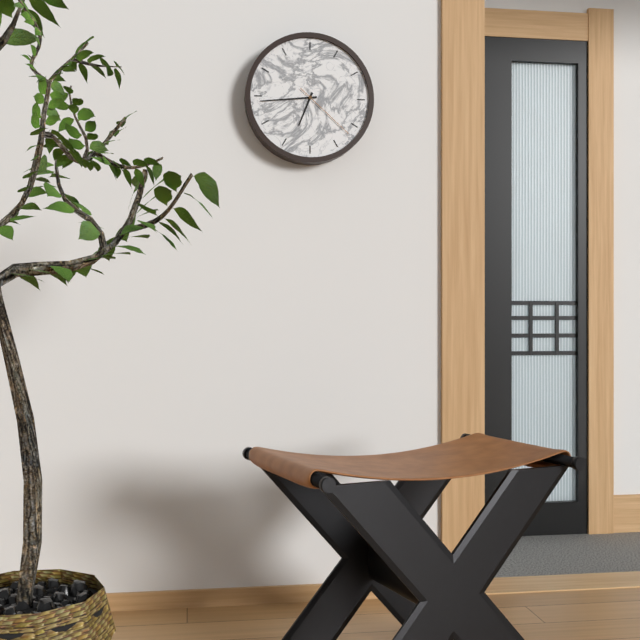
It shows 6:44:22
